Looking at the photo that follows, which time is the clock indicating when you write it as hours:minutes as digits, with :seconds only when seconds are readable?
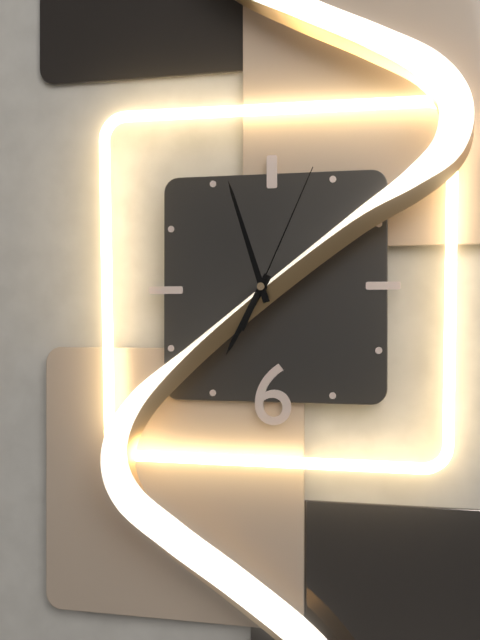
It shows 6:57:04
